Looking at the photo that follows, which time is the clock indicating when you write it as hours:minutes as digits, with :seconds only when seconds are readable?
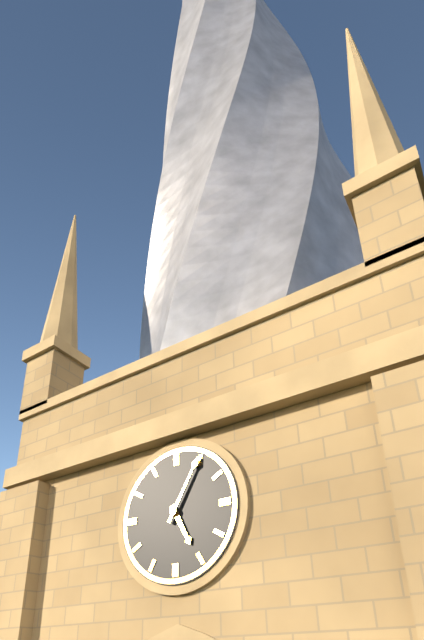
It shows 5:05
